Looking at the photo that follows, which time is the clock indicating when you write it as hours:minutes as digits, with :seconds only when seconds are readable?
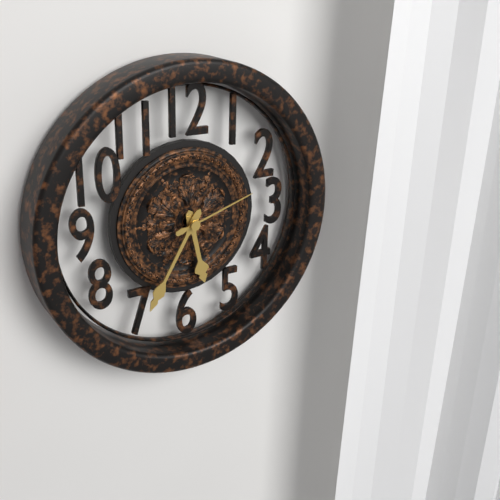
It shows 5:35:12
